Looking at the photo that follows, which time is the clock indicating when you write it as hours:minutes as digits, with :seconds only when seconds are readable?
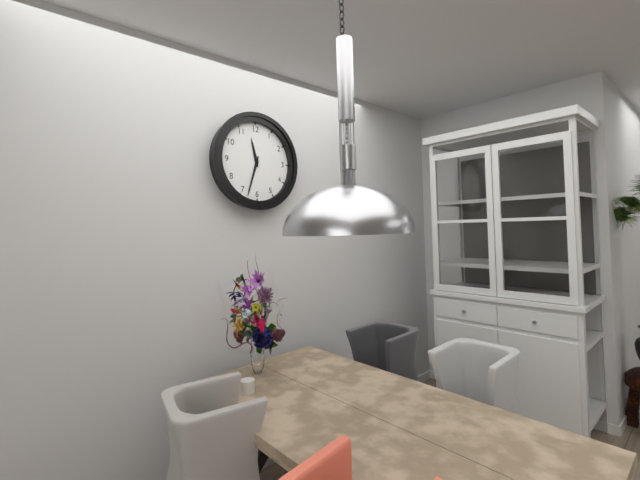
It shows 11:33
